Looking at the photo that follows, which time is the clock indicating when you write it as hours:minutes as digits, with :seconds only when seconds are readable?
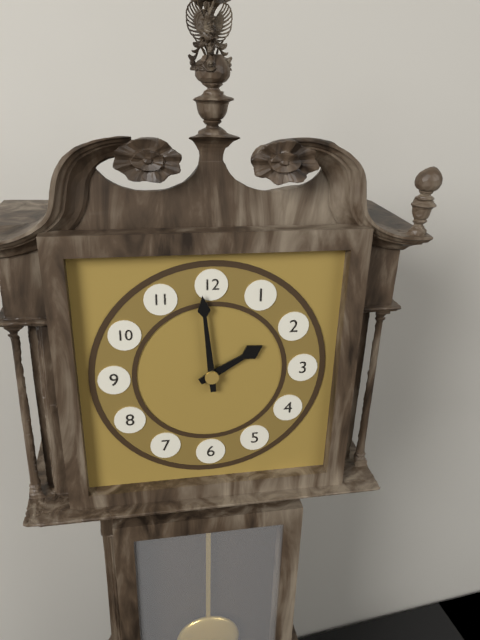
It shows 1:59
